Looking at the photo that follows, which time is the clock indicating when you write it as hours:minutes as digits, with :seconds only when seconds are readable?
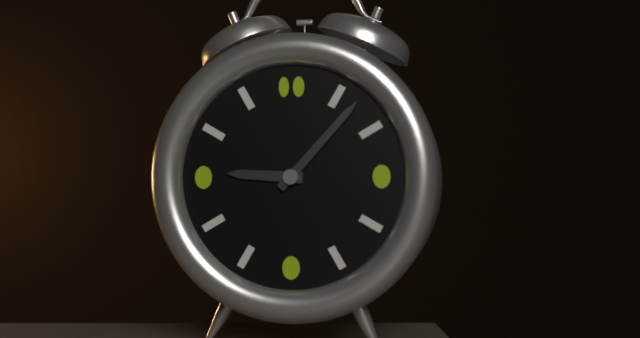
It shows 9:07
